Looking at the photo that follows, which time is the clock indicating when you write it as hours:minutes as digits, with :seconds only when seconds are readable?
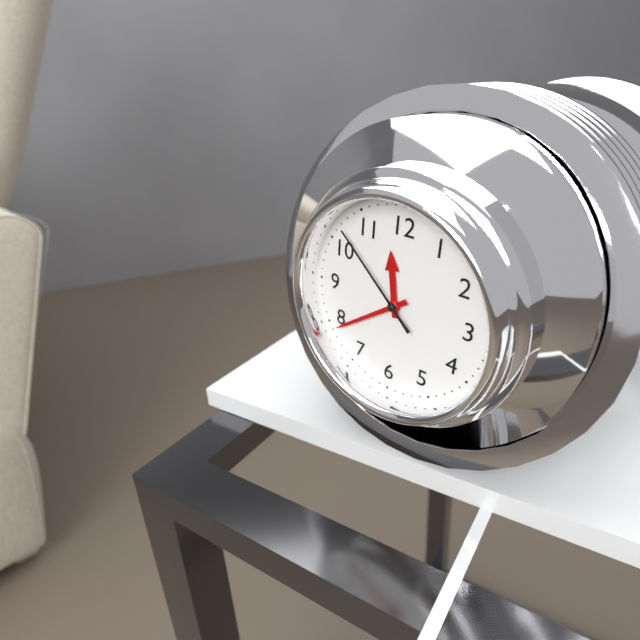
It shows 11:39:52
